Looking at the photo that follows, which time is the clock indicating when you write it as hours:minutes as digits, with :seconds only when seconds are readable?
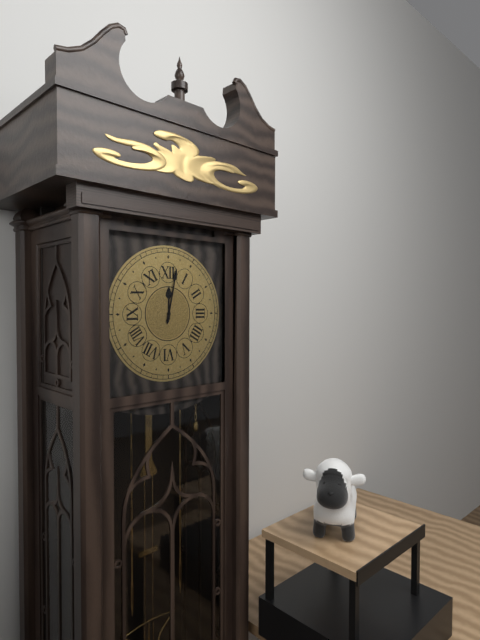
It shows 12:02
